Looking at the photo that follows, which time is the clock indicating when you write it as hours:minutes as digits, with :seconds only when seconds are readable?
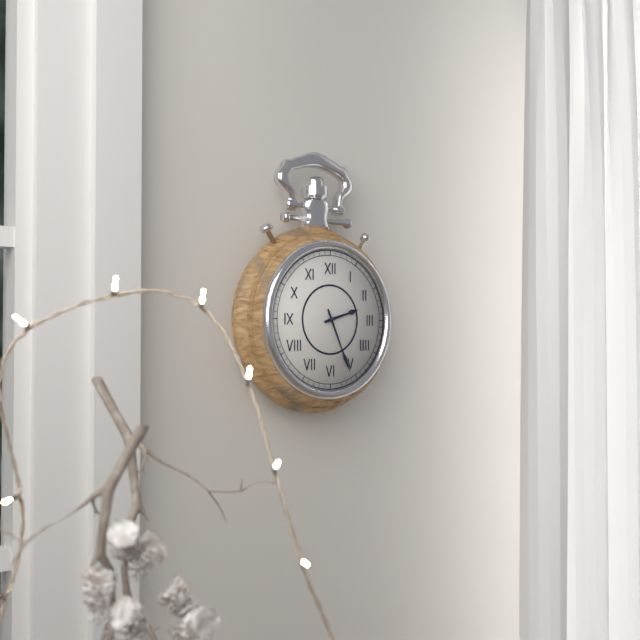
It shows 2:26
